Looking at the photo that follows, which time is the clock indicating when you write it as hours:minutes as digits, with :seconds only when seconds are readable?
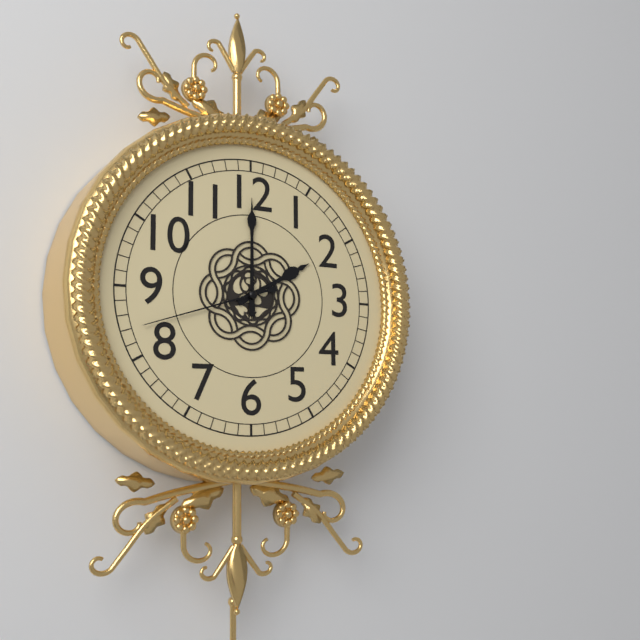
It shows 2:00:42
